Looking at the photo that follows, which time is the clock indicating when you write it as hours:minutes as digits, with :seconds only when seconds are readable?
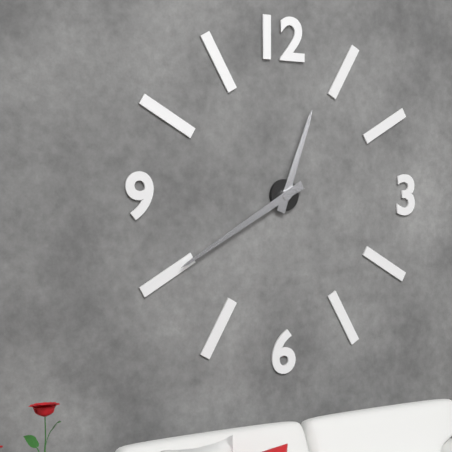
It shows 12:40
